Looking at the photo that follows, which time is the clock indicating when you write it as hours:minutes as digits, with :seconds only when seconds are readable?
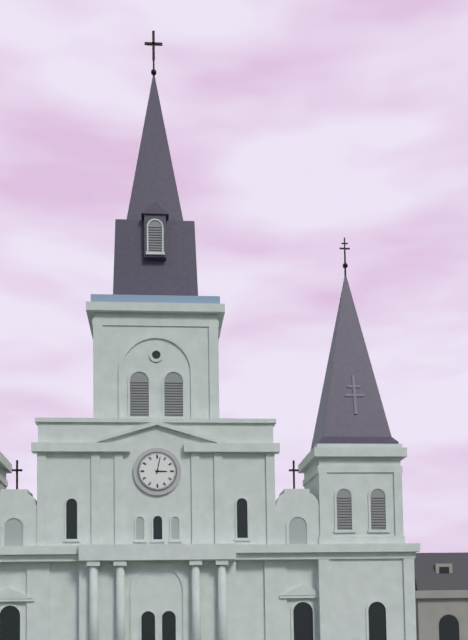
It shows 3:02
